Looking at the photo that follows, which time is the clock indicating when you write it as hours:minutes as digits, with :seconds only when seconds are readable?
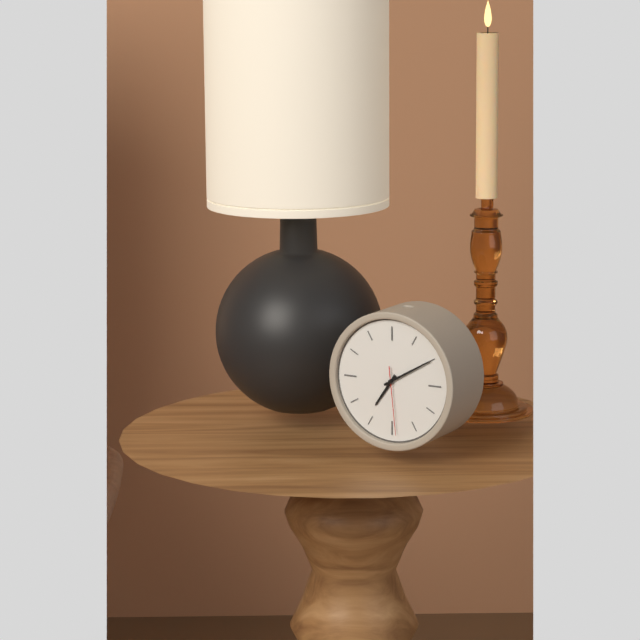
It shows 7:10:29
